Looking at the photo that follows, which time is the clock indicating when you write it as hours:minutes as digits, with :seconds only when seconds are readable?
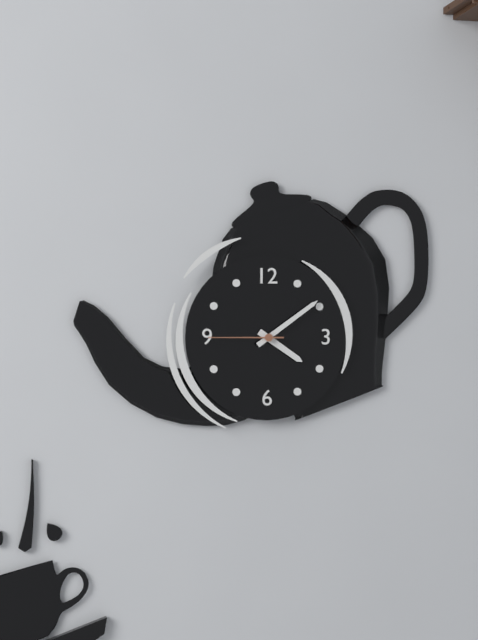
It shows 4:09:45
